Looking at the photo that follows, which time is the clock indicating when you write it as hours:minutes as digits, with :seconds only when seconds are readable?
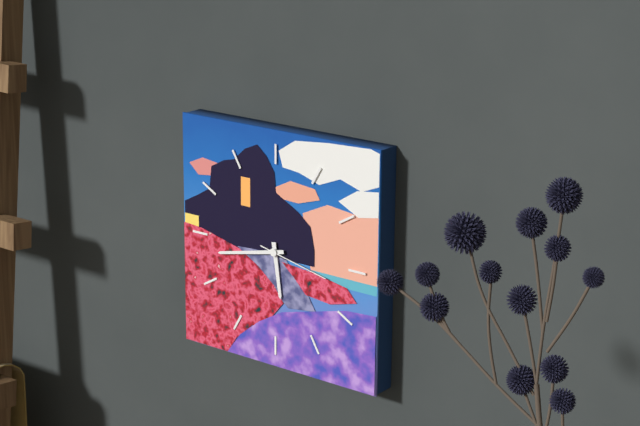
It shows 5:43:17
